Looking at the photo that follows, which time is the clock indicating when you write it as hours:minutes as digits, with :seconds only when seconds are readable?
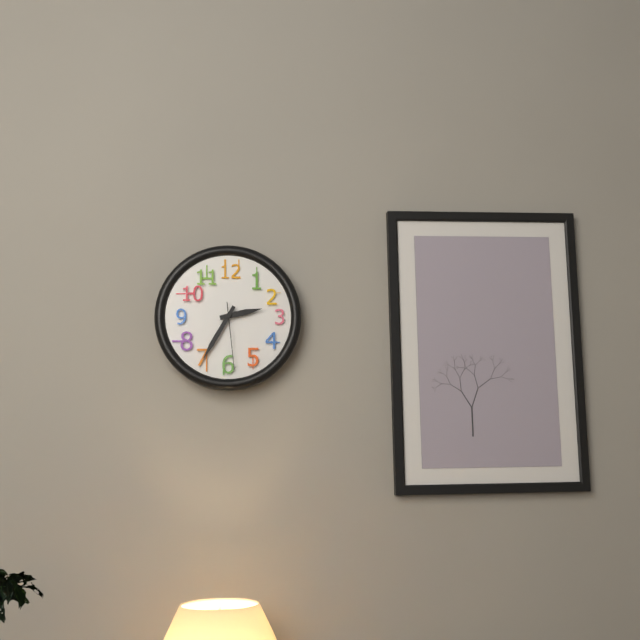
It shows 2:35:29
